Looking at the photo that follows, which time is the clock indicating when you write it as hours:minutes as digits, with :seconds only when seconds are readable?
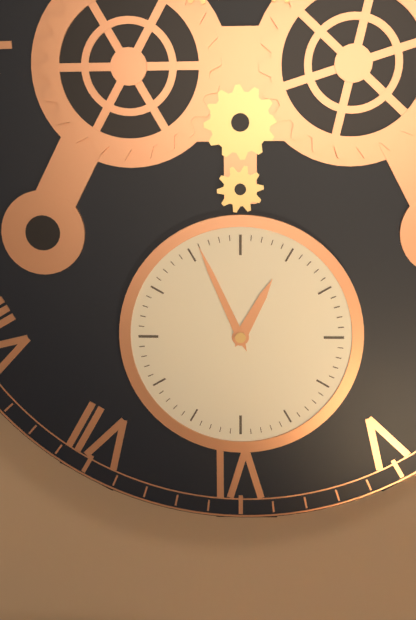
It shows 12:56
